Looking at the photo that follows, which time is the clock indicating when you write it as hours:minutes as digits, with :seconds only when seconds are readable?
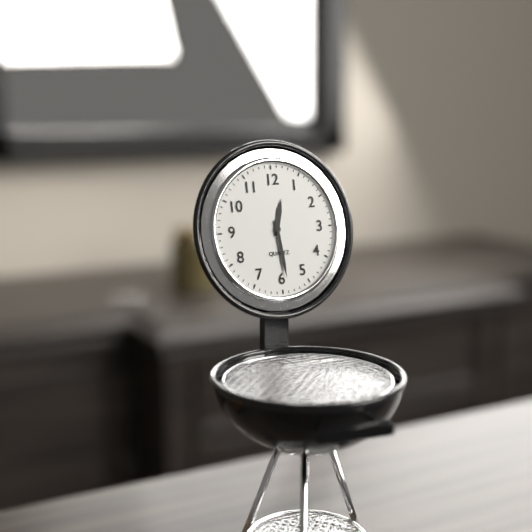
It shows 12:29
